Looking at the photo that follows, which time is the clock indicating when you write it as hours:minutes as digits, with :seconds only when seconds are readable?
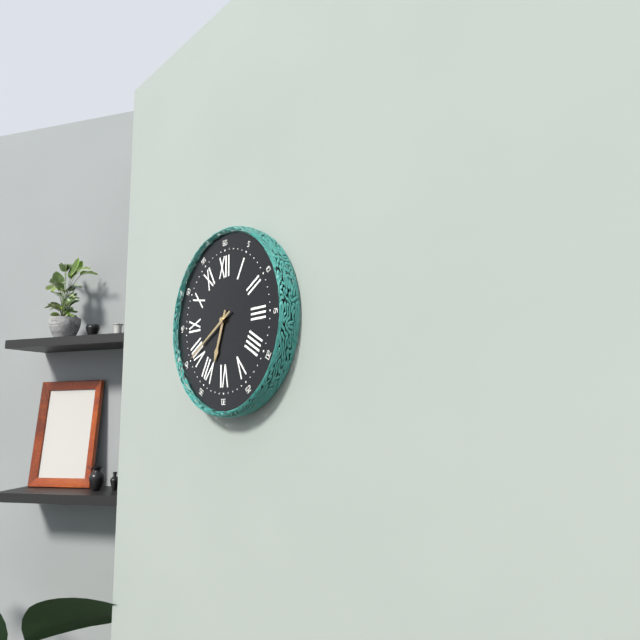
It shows 6:40
